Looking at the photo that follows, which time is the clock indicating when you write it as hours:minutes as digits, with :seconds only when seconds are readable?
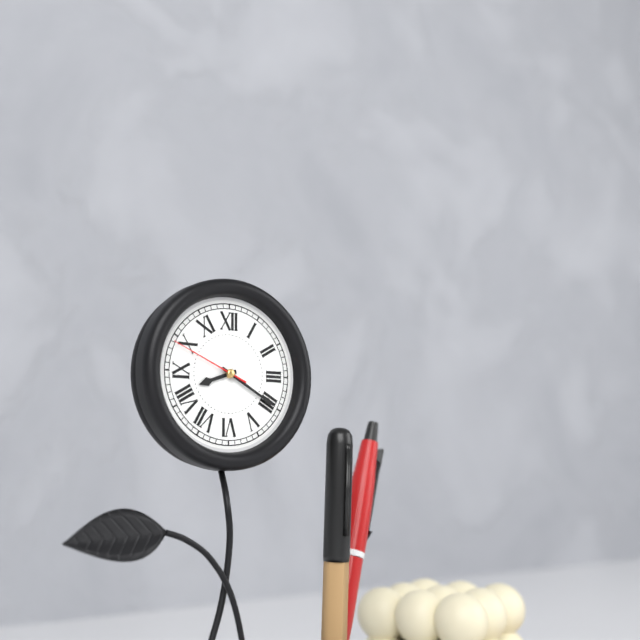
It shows 8:20:49
